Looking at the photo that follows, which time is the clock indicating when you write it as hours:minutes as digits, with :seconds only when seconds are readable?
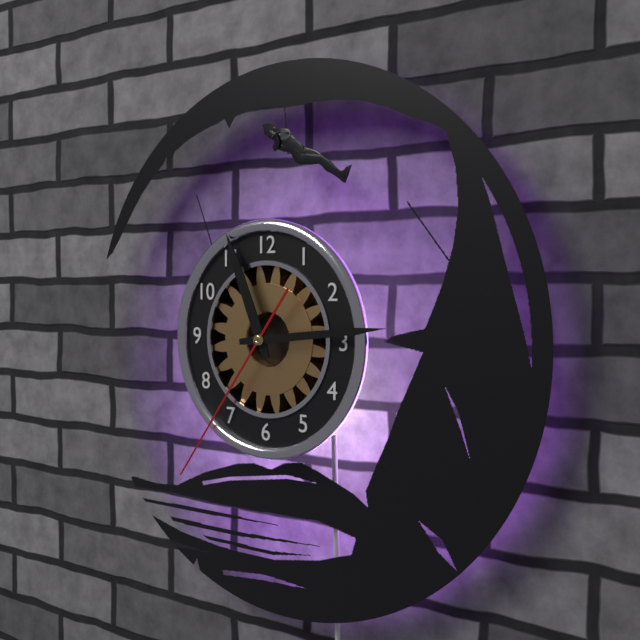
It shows 11:14:36
